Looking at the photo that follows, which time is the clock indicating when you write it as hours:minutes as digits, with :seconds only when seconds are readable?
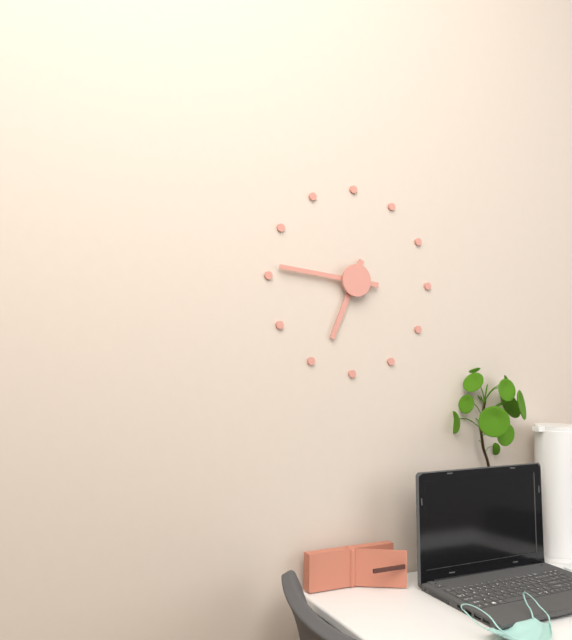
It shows 6:46
